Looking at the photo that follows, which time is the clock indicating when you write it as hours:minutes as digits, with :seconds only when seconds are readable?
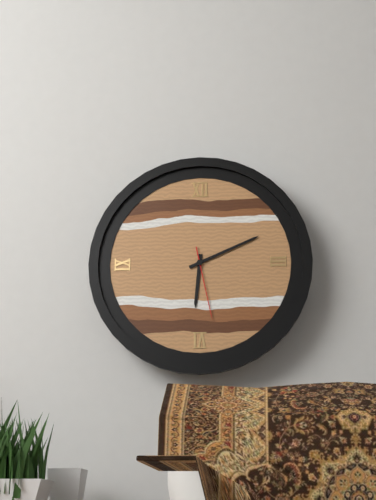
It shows 6:11:28
